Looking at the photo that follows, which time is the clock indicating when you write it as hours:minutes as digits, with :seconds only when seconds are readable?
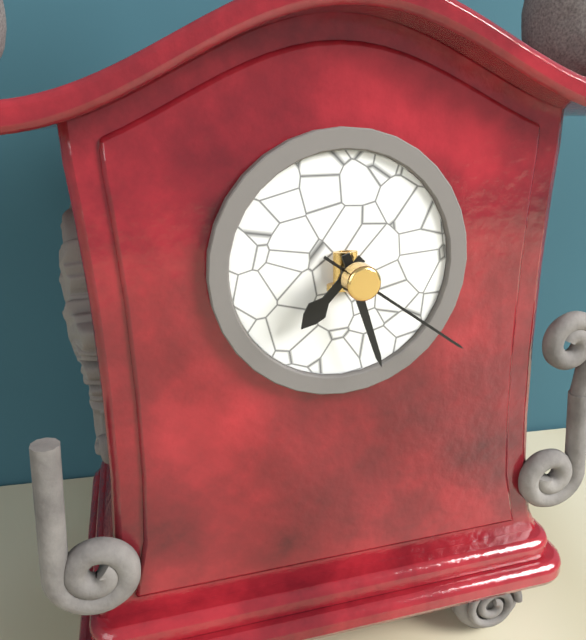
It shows 7:27:21
